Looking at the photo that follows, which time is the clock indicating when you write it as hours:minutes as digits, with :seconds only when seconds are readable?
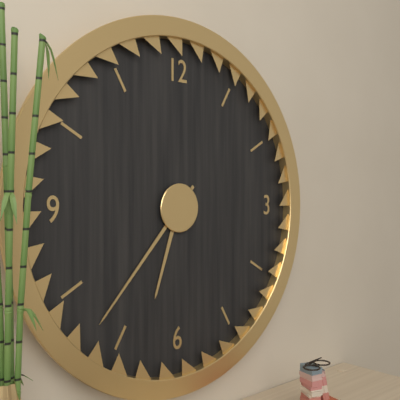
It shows 6:37
